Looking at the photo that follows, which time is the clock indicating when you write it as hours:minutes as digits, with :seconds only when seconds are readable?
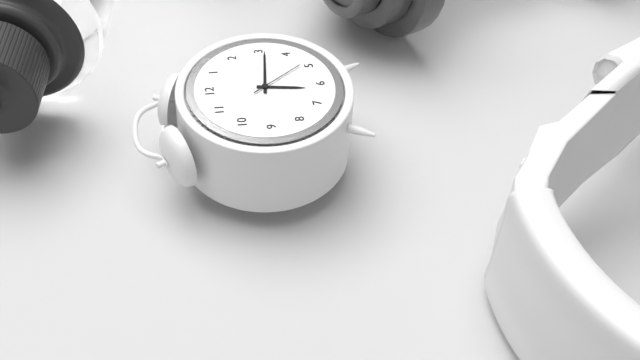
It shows 6:16:24
